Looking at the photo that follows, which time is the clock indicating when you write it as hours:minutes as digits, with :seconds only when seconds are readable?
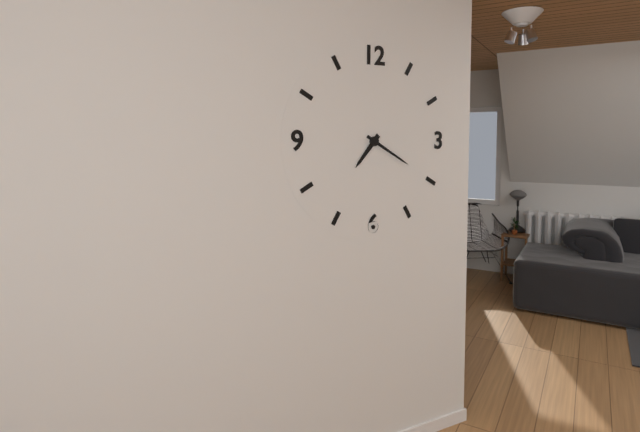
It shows 7:20
